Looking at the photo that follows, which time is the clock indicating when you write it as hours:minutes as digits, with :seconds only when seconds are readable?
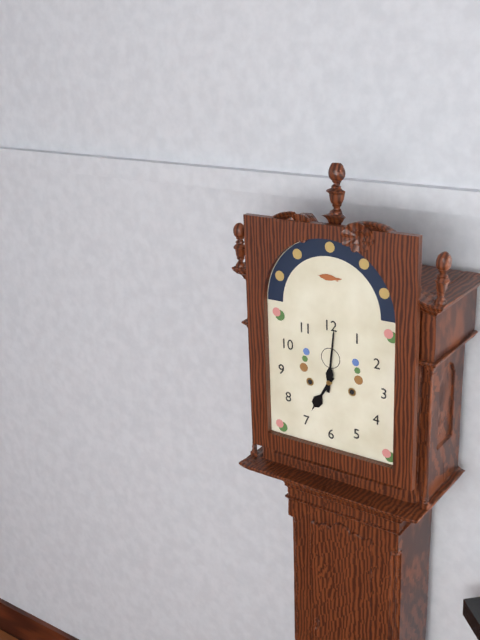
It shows 7:01
